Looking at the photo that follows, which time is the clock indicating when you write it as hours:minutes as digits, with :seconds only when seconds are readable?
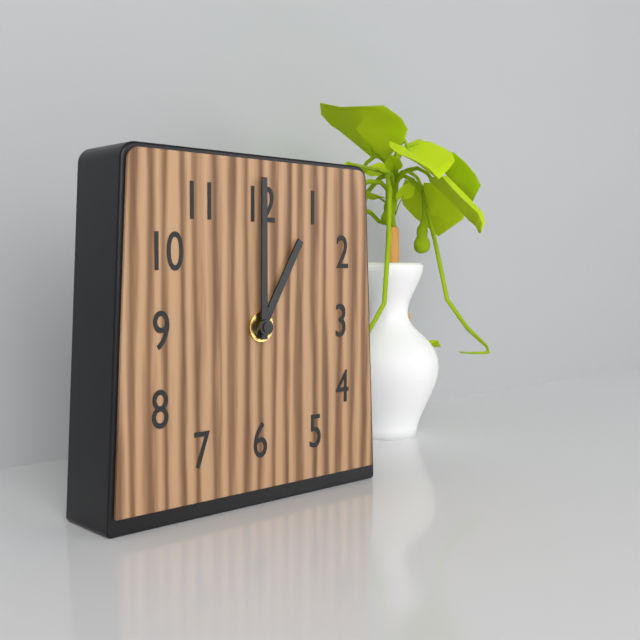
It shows 1:00
